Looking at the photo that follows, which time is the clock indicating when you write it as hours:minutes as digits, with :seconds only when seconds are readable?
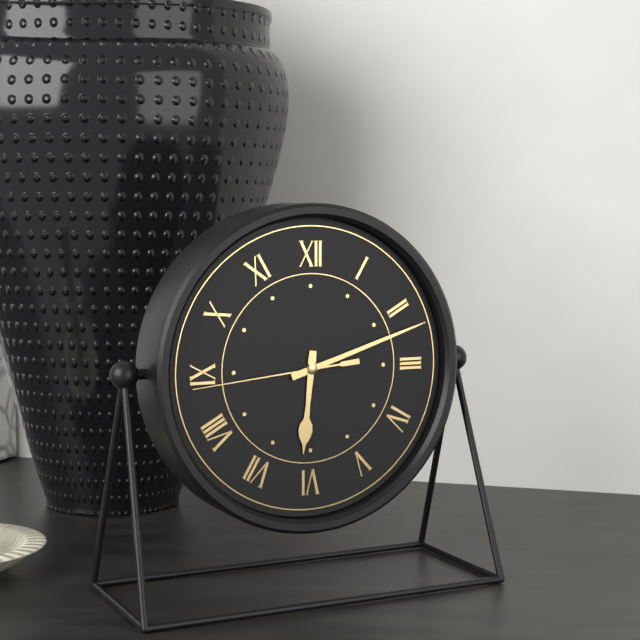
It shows 6:12:44
